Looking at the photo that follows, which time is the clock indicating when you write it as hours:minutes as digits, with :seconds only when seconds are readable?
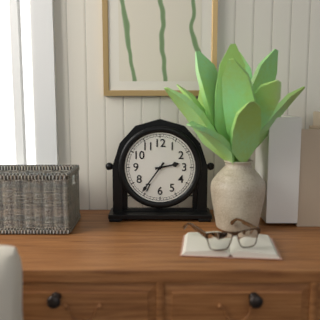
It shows 2:36
